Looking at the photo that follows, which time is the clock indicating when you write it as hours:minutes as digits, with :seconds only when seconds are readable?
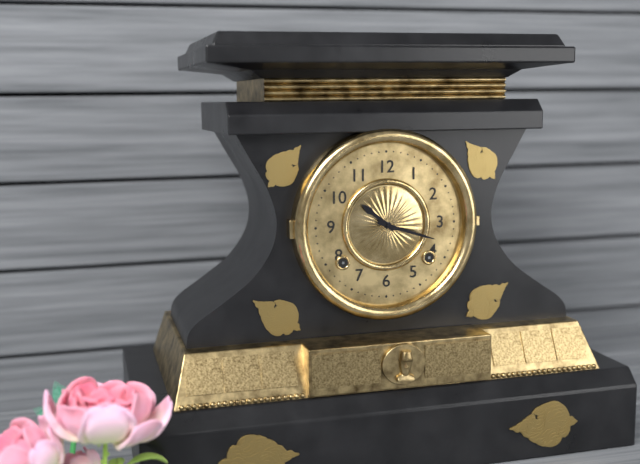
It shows 10:18
